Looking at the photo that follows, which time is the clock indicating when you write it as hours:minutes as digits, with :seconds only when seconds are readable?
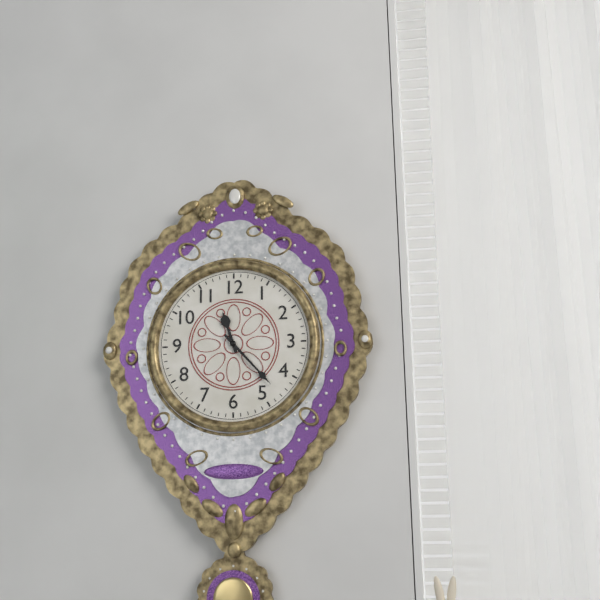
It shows 11:23
